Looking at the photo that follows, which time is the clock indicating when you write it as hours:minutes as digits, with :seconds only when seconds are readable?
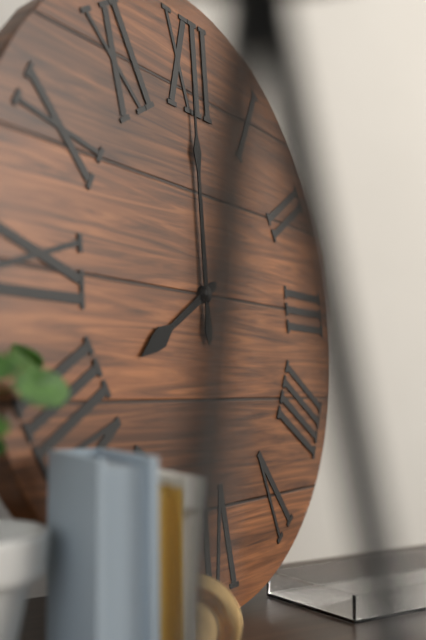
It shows 8:00
